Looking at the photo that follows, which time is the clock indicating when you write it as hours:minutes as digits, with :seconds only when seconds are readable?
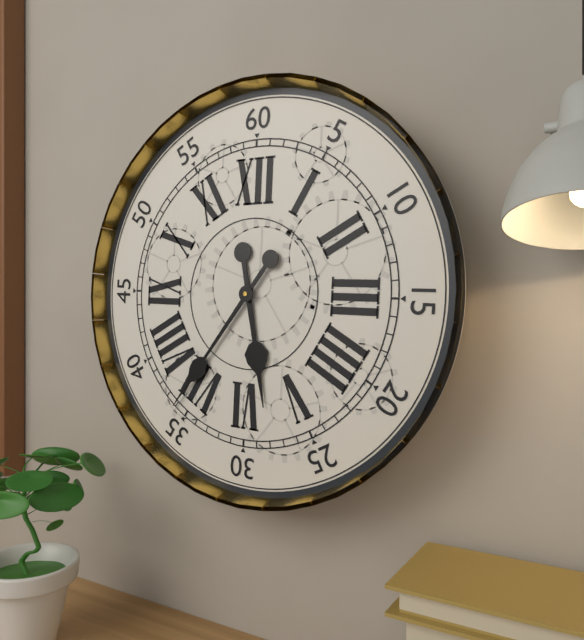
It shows 5:36
